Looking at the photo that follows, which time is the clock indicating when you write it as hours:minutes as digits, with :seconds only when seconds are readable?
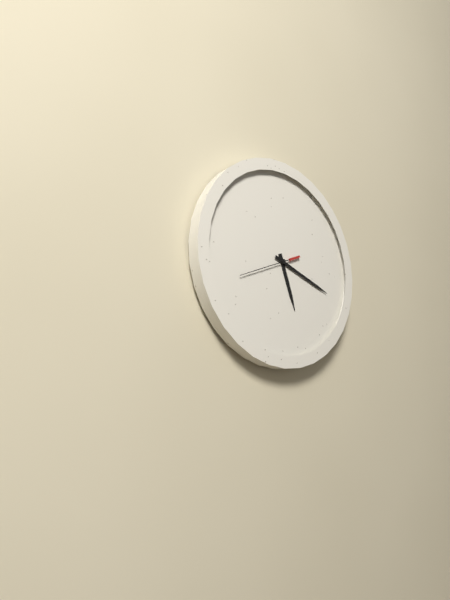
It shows 5:18
